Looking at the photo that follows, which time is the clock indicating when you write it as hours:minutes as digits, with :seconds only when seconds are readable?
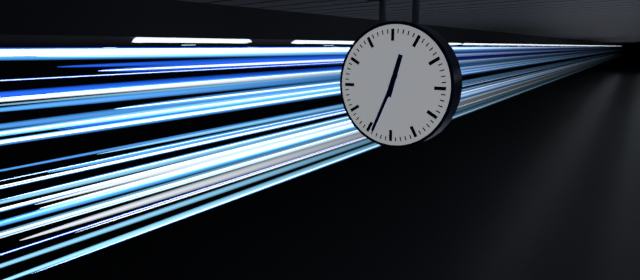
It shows 12:34
